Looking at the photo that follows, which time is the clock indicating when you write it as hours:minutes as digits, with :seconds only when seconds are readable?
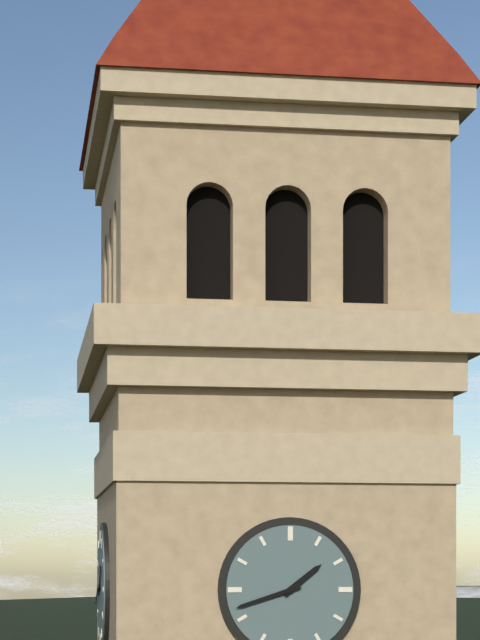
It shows 1:42
